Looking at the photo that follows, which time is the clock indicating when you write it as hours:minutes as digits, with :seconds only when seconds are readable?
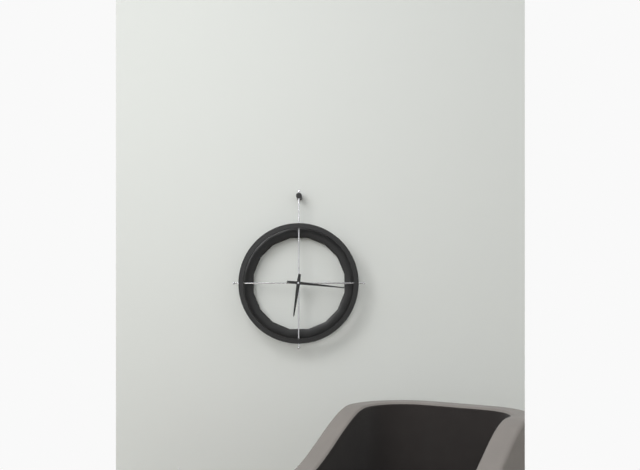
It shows 6:16
